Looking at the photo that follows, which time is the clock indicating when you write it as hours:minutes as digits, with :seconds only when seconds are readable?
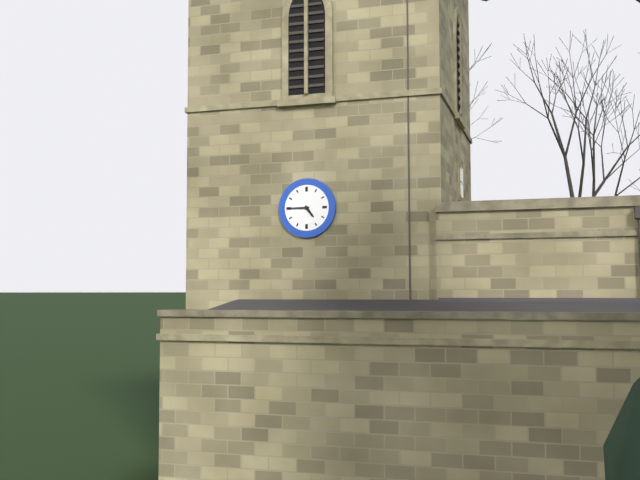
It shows 4:45
